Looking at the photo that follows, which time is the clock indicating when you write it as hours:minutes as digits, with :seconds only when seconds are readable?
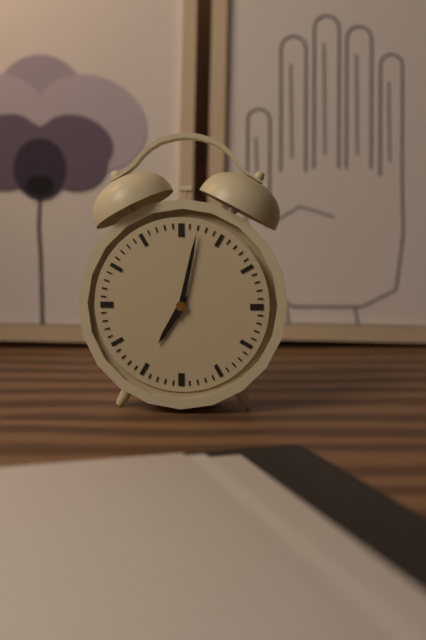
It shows 7:02
